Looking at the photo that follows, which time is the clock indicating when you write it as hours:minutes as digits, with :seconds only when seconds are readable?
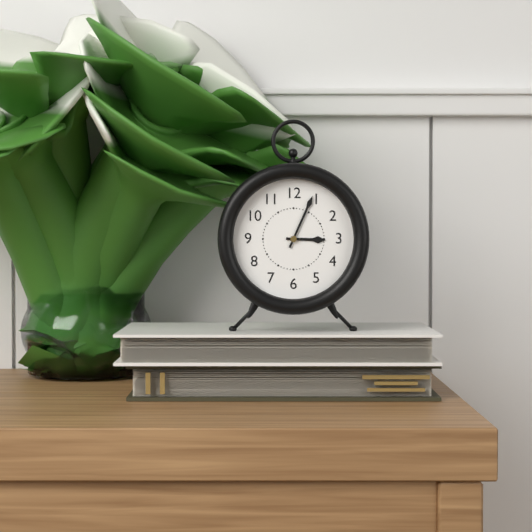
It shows 3:04
